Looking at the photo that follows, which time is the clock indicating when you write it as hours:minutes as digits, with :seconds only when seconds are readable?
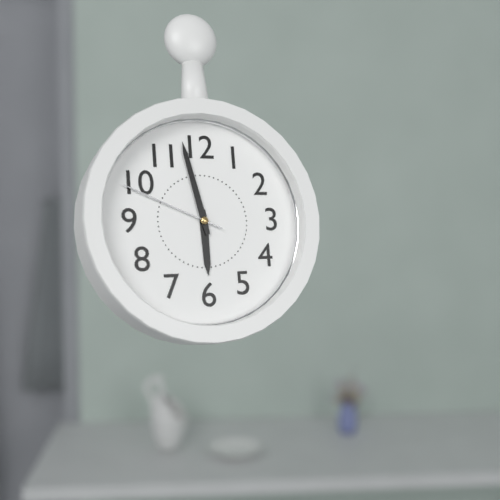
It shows 5:58:49
